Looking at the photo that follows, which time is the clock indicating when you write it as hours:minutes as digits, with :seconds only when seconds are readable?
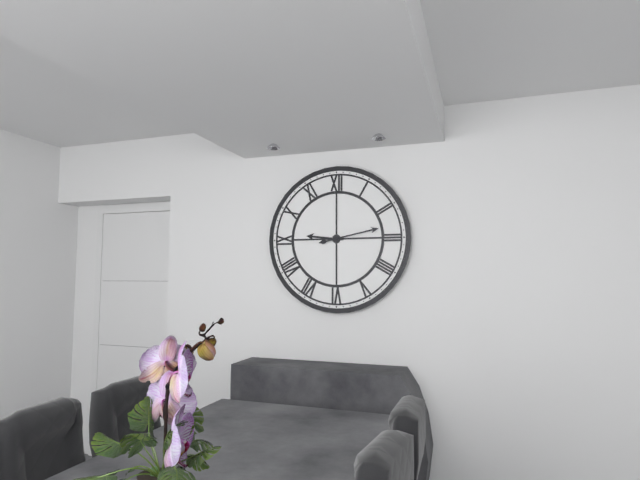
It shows 9:13
